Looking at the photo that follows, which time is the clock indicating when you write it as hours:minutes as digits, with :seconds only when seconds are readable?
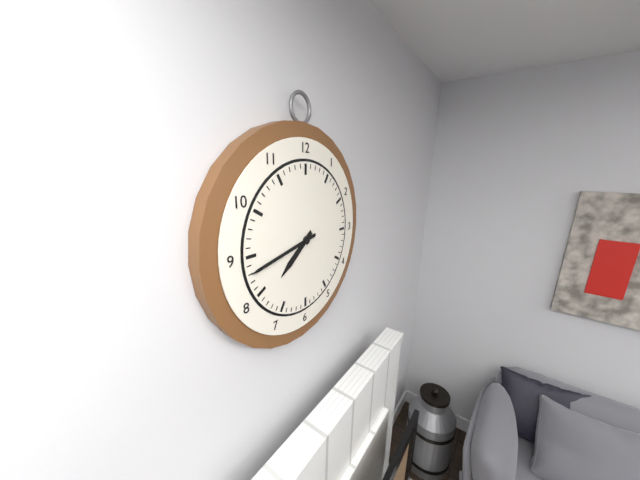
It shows 7:43
